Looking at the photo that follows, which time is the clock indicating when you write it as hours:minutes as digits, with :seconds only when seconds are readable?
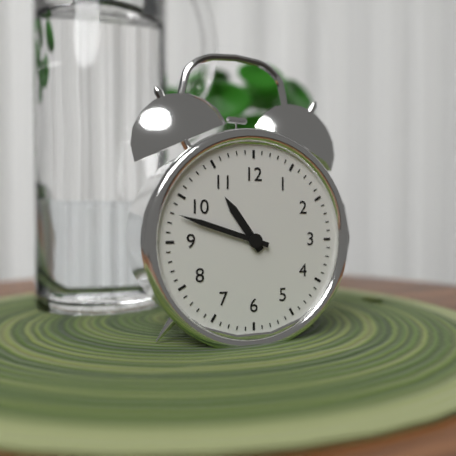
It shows 10:48
